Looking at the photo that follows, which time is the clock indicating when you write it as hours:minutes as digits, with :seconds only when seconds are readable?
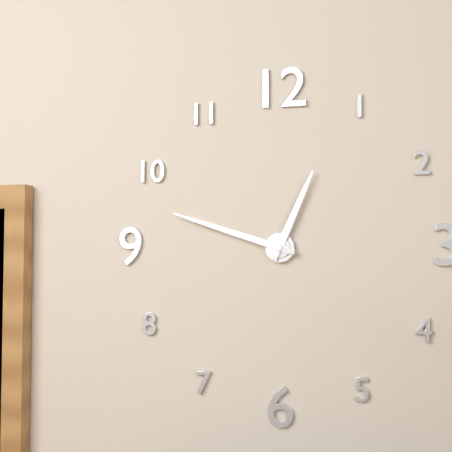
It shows 12:48
